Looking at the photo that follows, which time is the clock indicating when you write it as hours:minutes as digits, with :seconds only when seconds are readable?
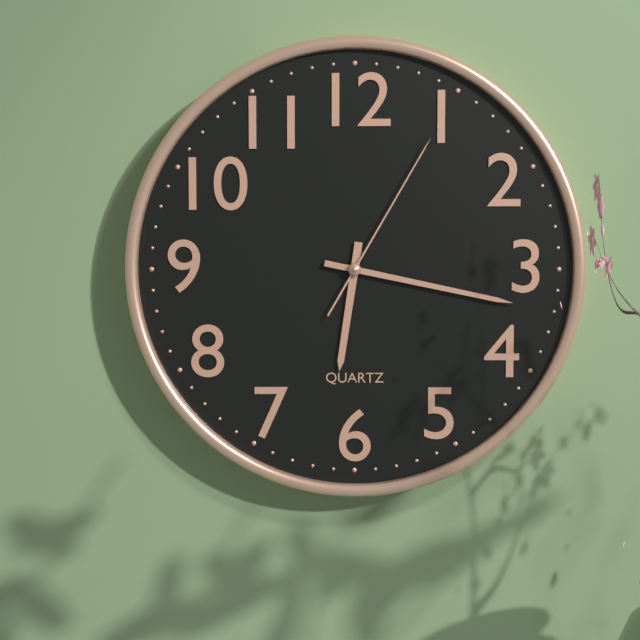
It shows 6:17:05
